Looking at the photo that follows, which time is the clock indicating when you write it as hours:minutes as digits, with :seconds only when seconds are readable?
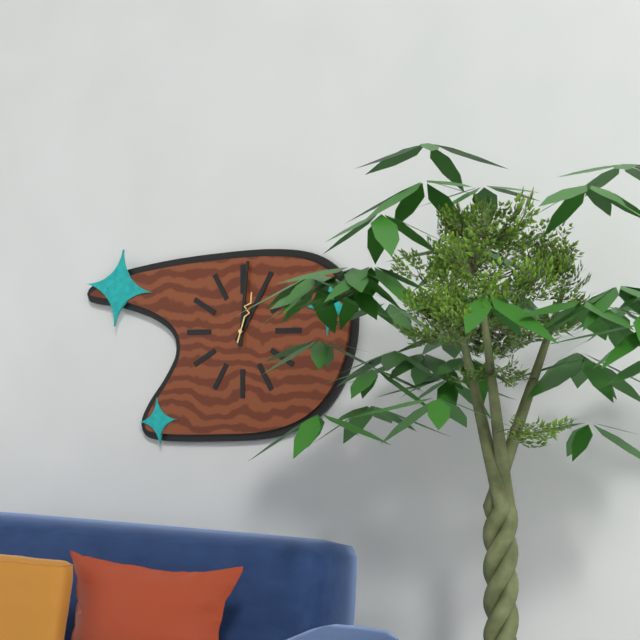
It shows 1:01
